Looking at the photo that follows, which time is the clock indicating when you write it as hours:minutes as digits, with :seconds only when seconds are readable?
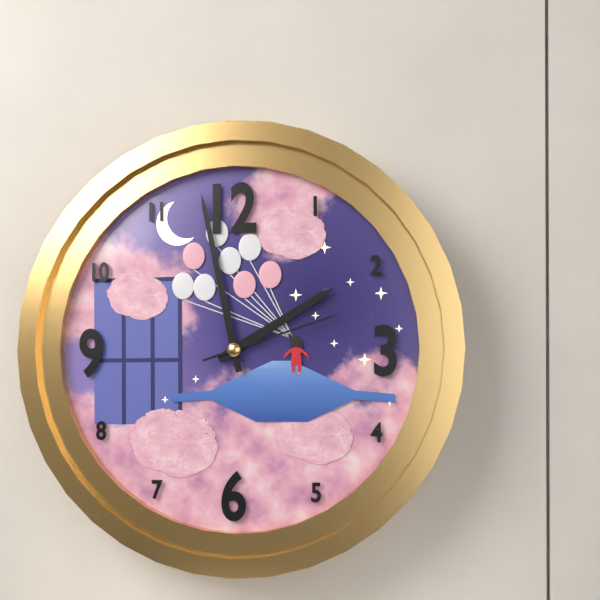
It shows 1:58:12
